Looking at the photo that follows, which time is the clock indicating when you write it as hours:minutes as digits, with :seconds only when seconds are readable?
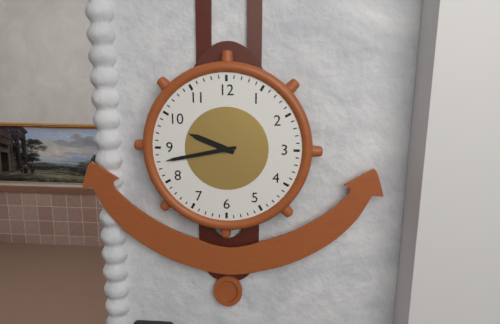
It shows 9:43
